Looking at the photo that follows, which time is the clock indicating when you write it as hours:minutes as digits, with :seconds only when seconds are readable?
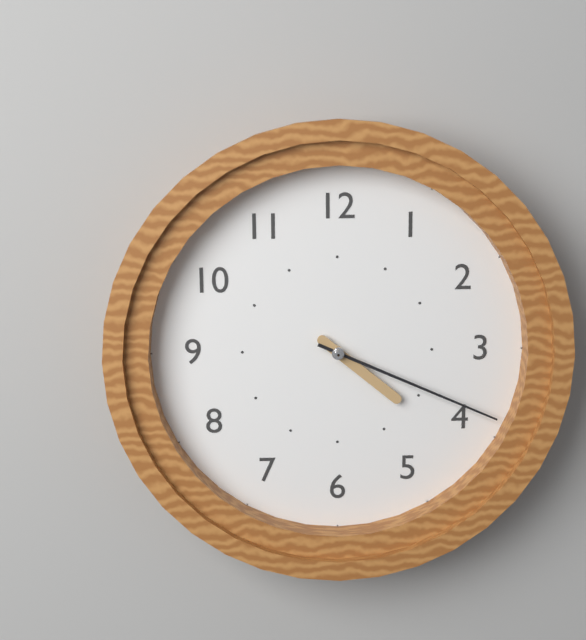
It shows 4:19
